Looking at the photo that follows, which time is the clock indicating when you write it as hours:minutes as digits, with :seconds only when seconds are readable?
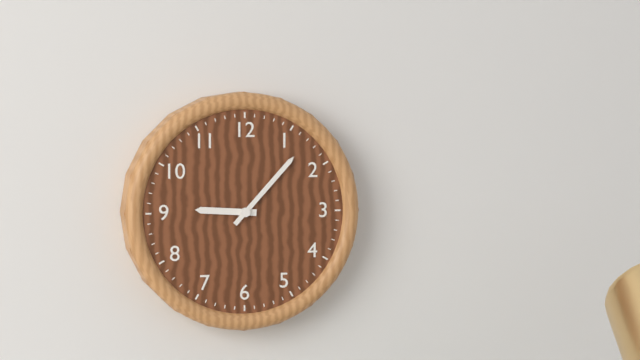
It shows 9:07
